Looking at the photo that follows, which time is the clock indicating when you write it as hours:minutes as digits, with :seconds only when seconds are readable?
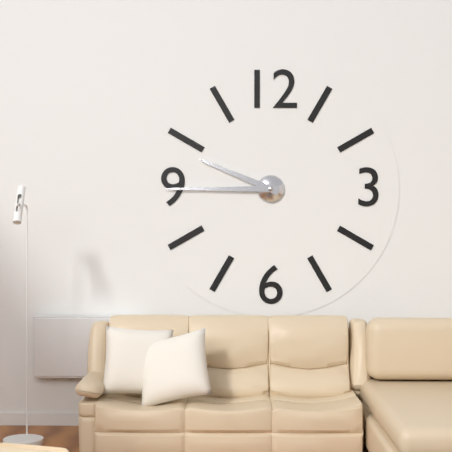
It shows 9:45
